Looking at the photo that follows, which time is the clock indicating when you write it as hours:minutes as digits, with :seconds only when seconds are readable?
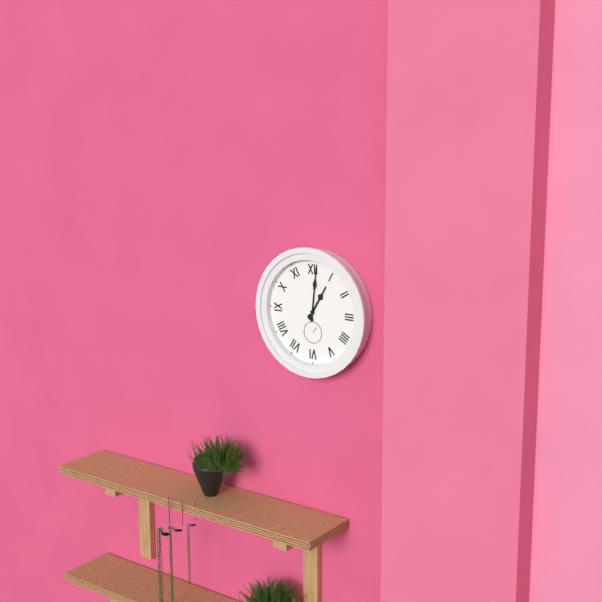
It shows 1:01
